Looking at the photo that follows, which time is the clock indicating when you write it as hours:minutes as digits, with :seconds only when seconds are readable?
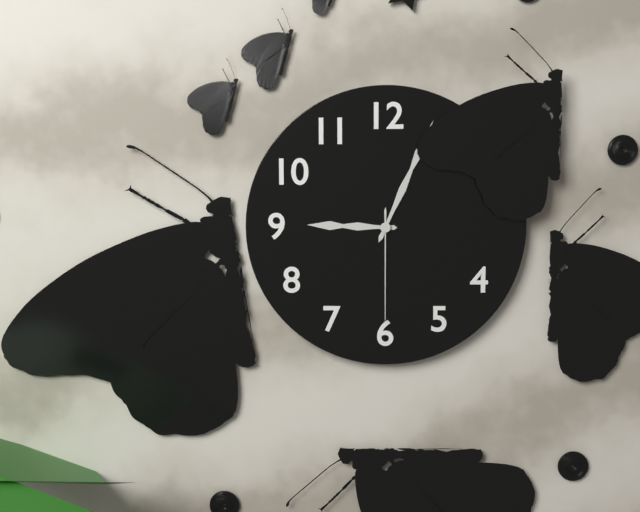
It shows 9:04:30
